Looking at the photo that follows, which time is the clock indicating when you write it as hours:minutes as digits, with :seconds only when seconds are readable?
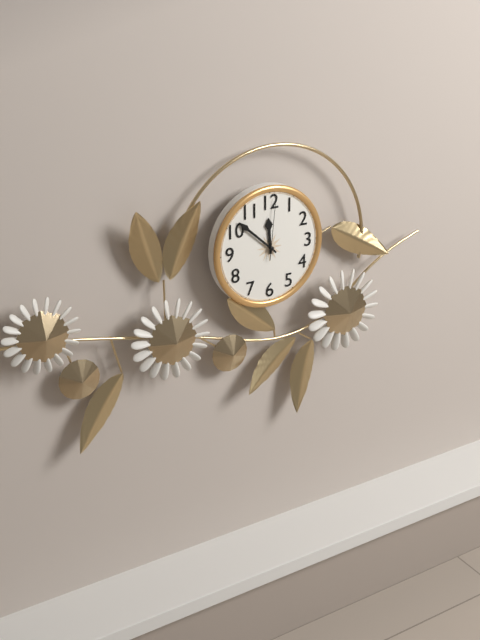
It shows 11:52:01
